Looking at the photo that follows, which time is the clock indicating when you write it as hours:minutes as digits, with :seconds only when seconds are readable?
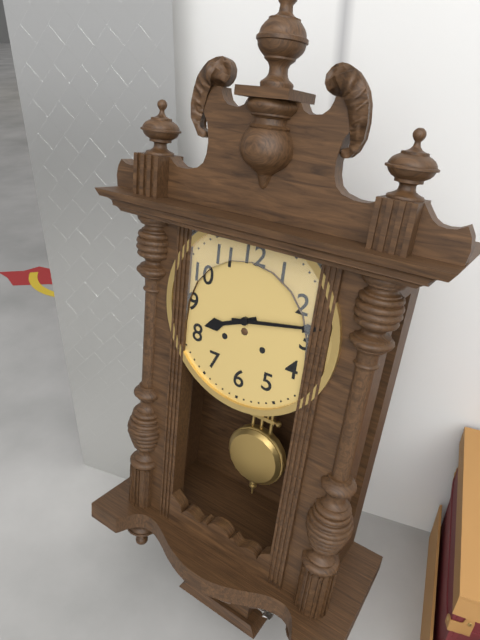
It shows 8:13
